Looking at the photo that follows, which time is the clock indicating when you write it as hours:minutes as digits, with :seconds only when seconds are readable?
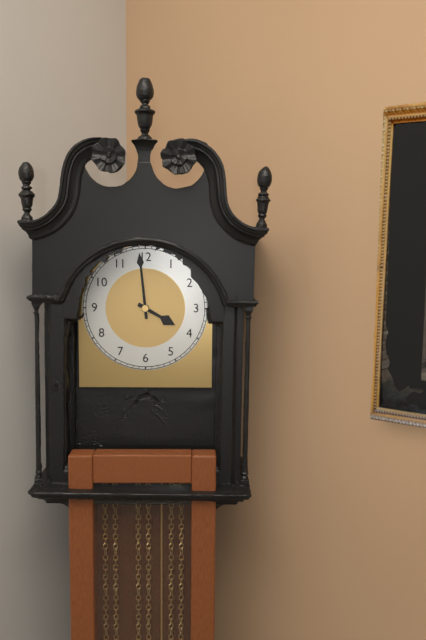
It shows 3:59
